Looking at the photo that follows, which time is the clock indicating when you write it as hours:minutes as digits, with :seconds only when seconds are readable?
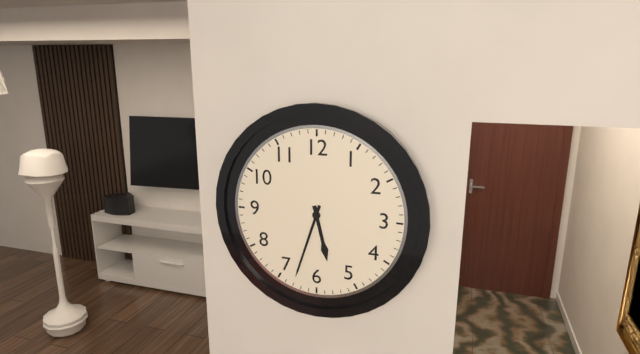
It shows 5:33
